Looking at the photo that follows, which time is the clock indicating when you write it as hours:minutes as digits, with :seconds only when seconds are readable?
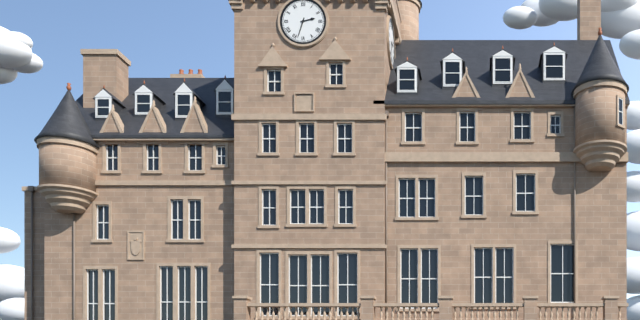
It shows 2:33
